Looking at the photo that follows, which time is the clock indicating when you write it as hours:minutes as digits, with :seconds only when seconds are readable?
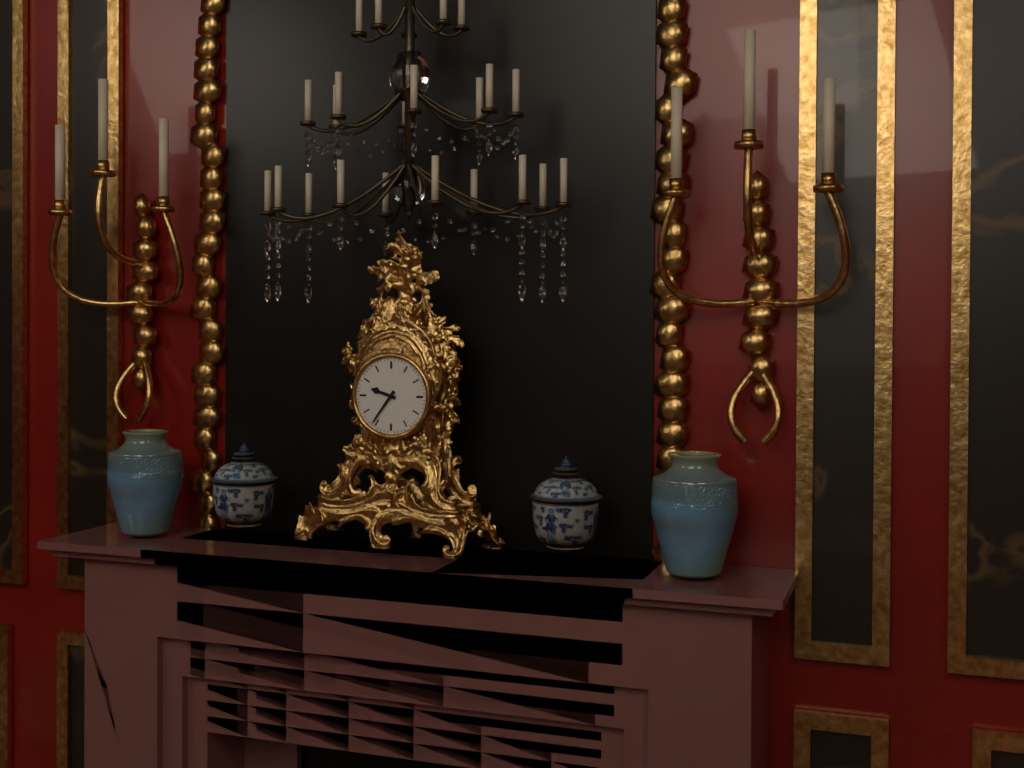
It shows 9:36
